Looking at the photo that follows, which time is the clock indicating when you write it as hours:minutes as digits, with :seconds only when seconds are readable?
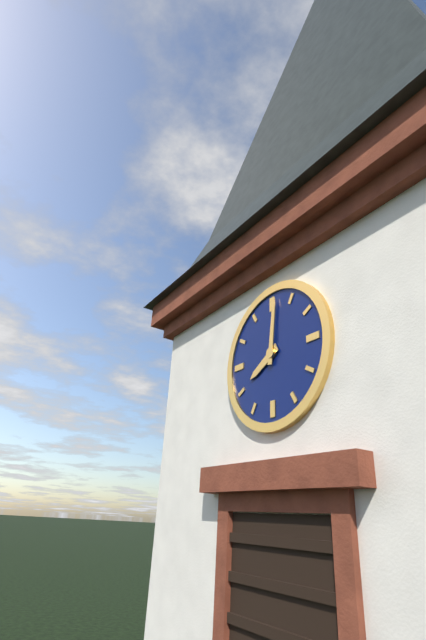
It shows 8:01
